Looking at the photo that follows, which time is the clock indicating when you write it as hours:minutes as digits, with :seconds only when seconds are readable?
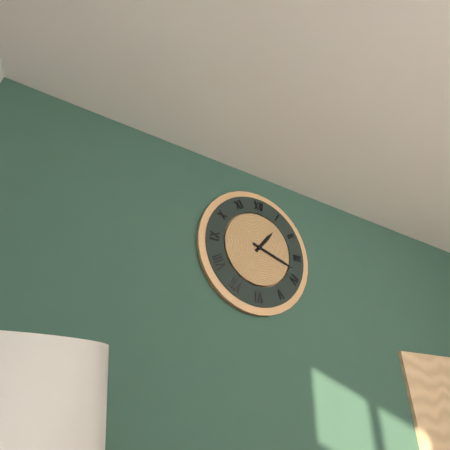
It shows 1:18
